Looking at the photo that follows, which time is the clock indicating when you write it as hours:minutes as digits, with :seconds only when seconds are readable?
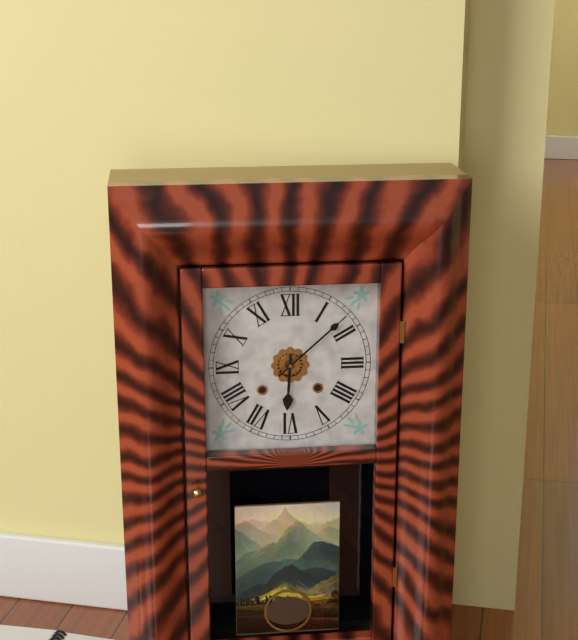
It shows 6:08
